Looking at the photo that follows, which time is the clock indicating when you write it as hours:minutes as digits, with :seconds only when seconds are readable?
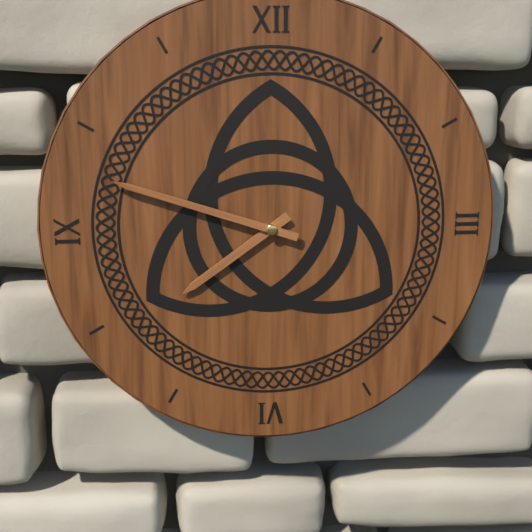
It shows 7:48
